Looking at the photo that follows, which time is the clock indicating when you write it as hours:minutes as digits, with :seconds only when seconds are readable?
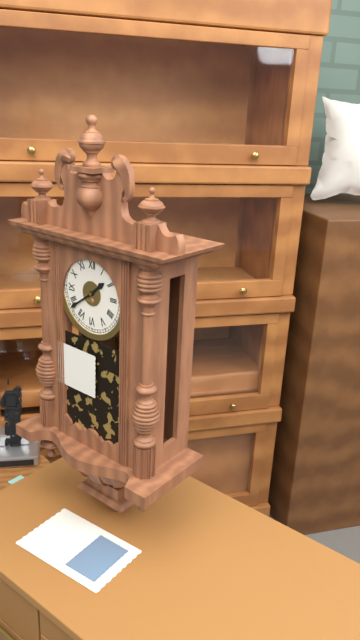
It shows 1:39
